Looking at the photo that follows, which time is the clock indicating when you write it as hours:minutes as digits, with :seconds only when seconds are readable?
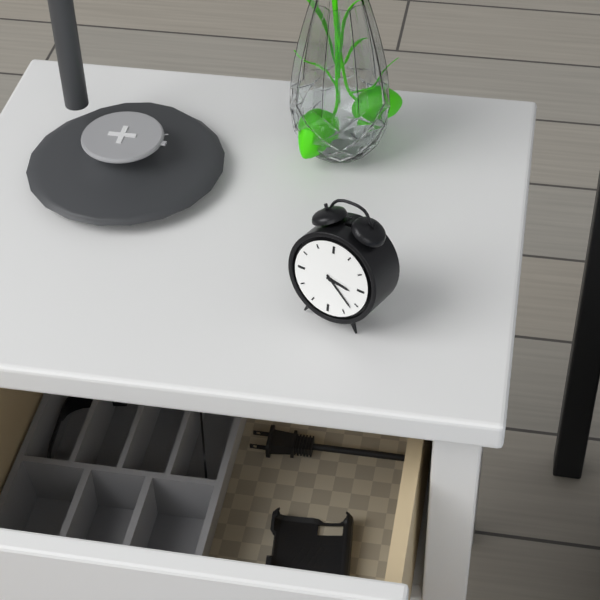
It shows 3:22
